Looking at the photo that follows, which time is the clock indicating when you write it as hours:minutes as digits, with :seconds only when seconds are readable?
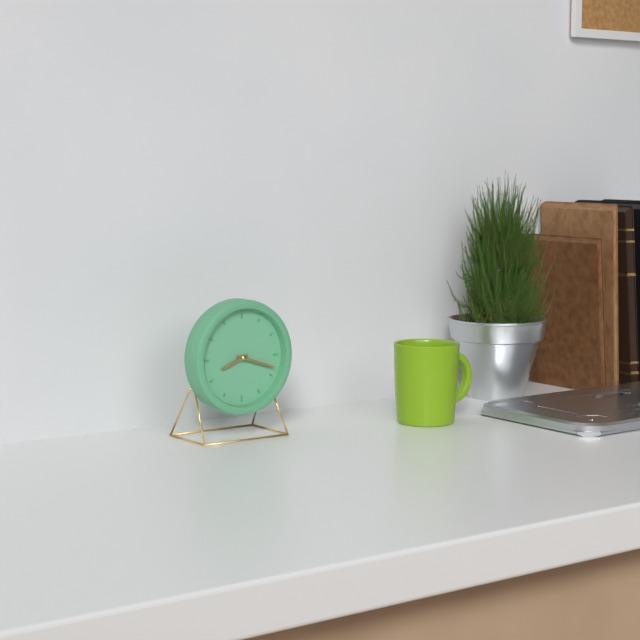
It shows 8:18
